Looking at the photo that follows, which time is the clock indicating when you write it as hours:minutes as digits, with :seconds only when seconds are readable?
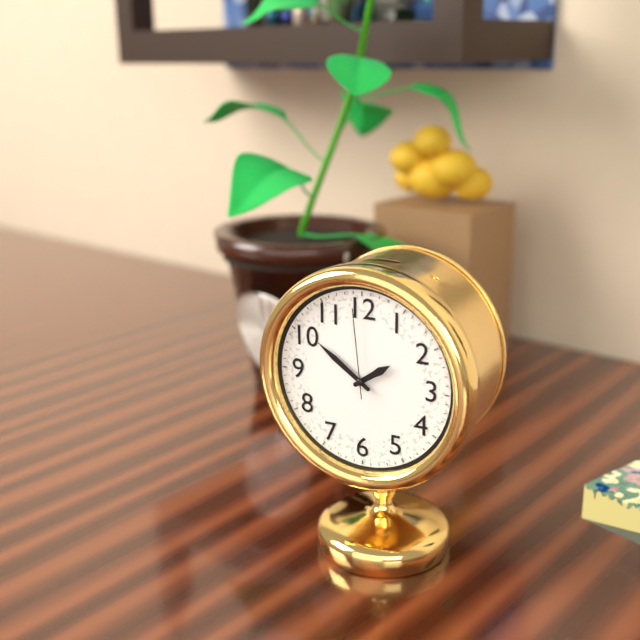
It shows 1:51:59
